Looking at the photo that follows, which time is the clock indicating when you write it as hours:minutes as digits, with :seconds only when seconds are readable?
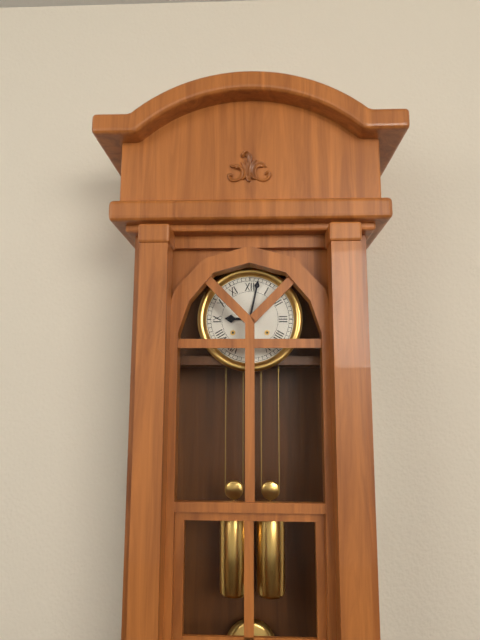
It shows 9:02
